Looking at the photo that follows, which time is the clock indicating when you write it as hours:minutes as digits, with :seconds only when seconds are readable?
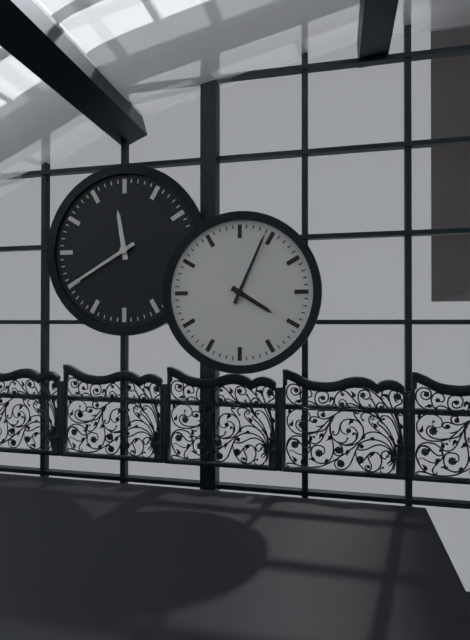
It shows 4:04
